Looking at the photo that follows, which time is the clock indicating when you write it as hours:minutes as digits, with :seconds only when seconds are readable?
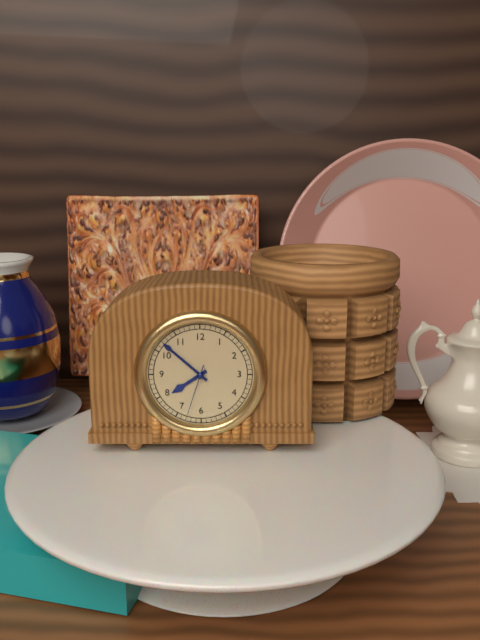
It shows 7:52:33
